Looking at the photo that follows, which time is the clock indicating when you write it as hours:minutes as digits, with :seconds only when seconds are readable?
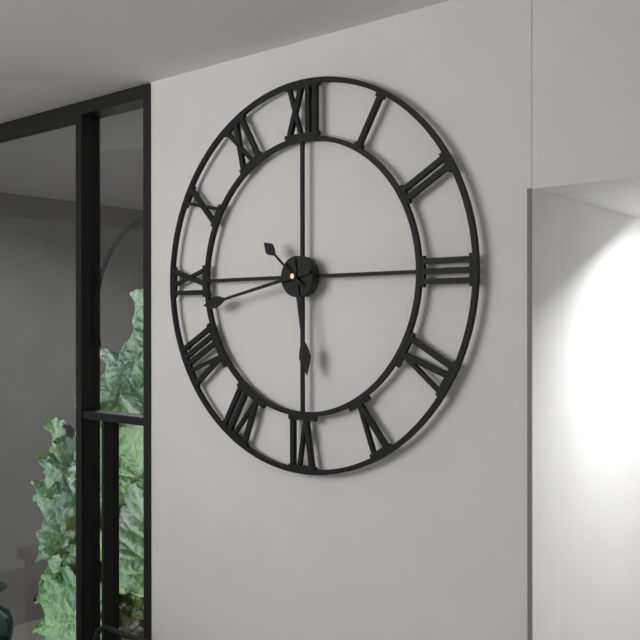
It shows 5:43:52
